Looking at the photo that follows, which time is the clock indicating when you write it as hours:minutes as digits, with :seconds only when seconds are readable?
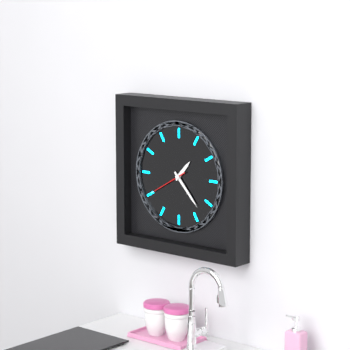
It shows 1:23
